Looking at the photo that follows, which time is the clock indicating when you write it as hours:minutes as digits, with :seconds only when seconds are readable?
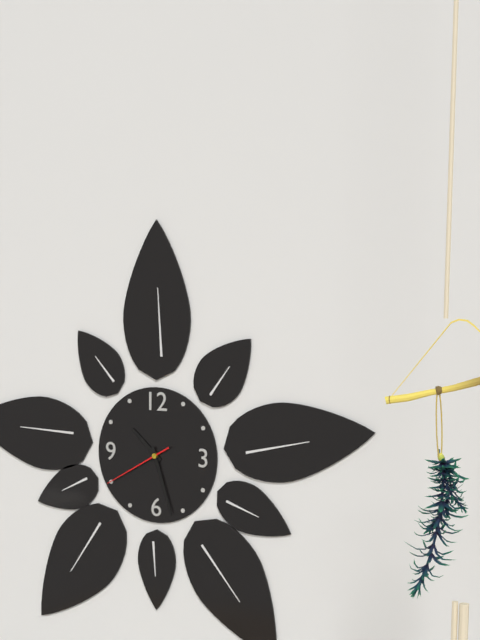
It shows 10:27:40
